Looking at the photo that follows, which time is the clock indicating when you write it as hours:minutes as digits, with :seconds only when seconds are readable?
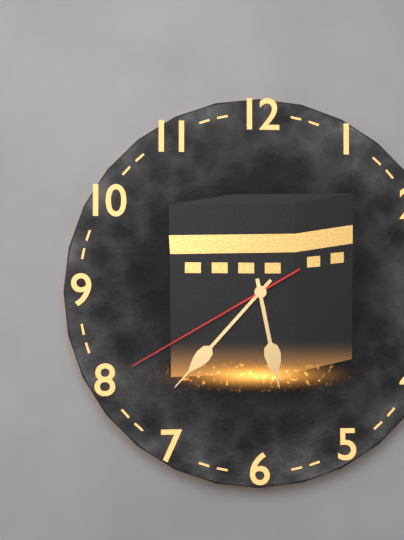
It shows 5:37:40
